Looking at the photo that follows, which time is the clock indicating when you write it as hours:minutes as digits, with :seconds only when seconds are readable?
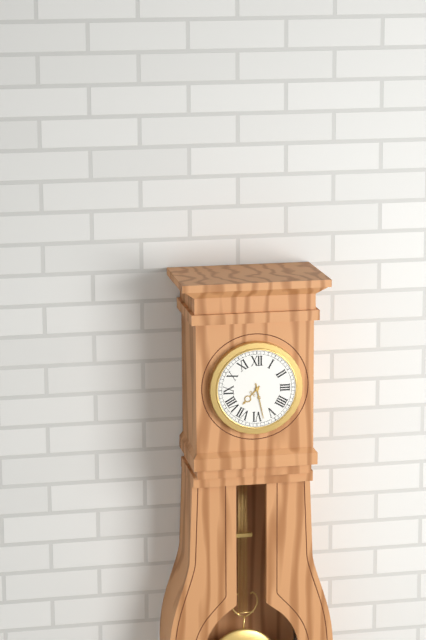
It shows 7:28
